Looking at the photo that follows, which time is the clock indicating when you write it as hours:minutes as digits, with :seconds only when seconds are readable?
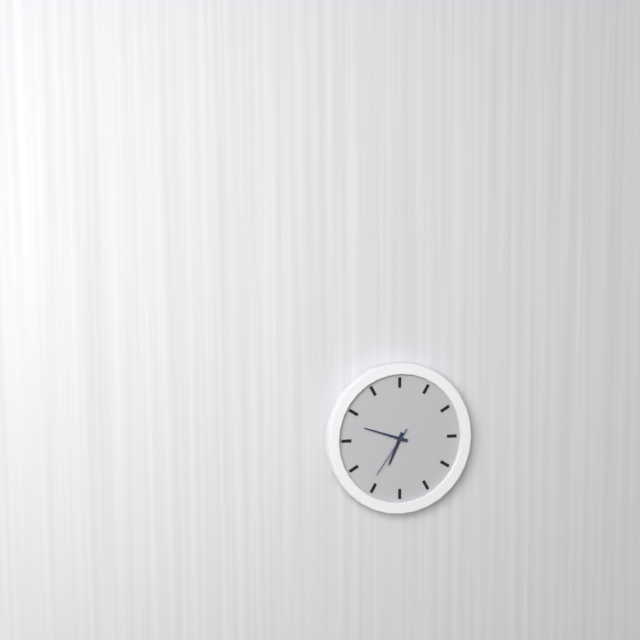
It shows 6:48:36
